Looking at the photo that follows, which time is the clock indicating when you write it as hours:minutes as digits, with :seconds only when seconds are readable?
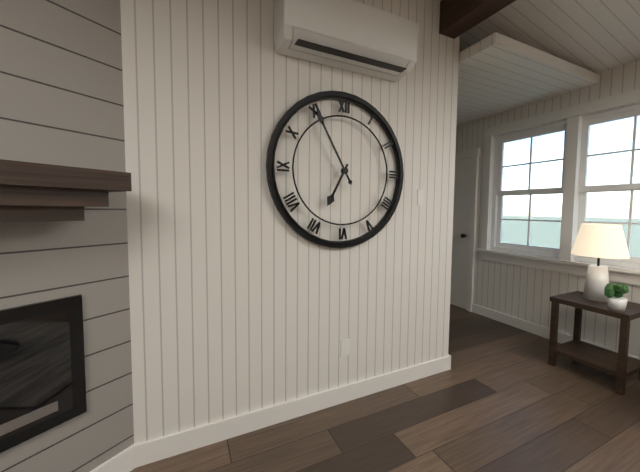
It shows 6:55
